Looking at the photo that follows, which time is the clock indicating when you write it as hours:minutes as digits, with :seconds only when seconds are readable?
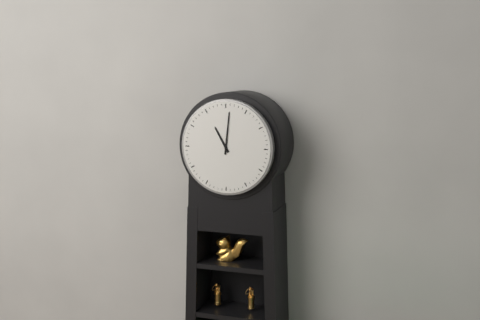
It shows 11:01
